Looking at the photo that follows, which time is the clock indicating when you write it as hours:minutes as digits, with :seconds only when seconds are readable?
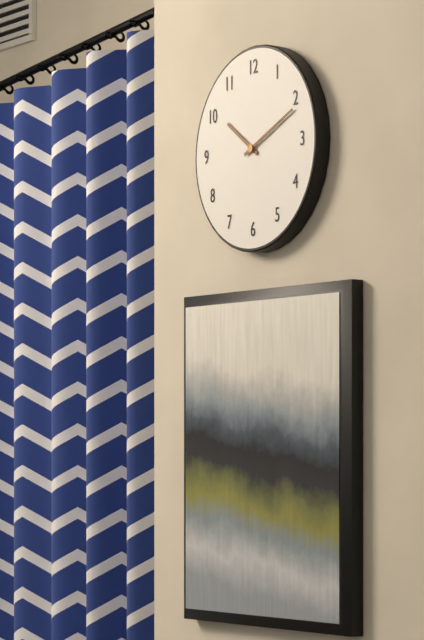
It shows 10:11
